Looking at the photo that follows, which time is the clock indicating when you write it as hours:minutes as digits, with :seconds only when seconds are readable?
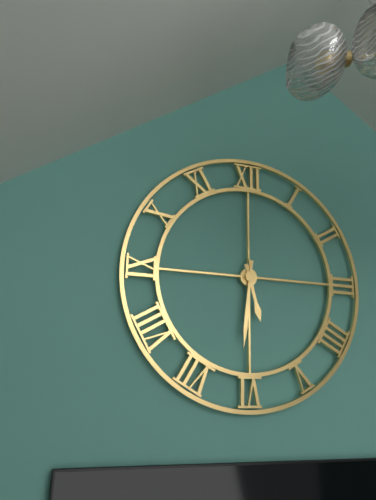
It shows 5:31
